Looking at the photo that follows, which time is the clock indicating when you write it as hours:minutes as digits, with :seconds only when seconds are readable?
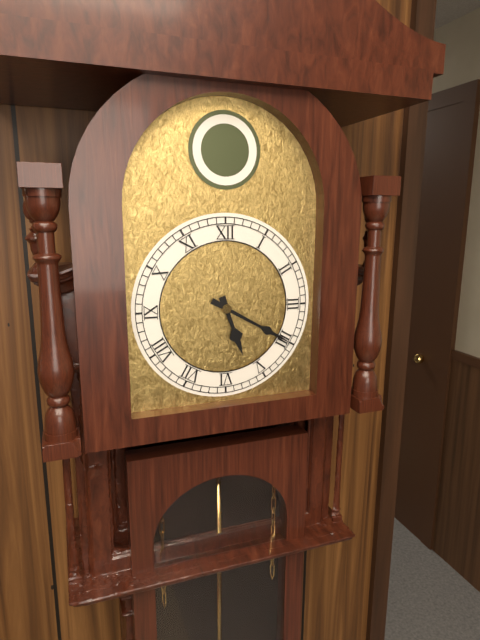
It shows 5:20
